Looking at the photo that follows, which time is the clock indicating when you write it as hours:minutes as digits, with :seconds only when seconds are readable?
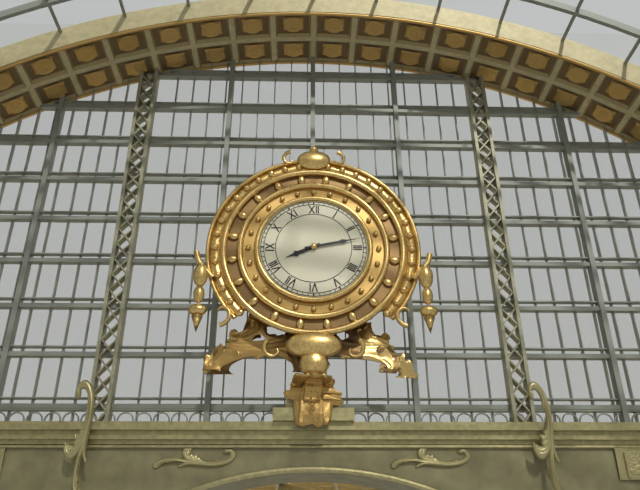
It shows 8:13
